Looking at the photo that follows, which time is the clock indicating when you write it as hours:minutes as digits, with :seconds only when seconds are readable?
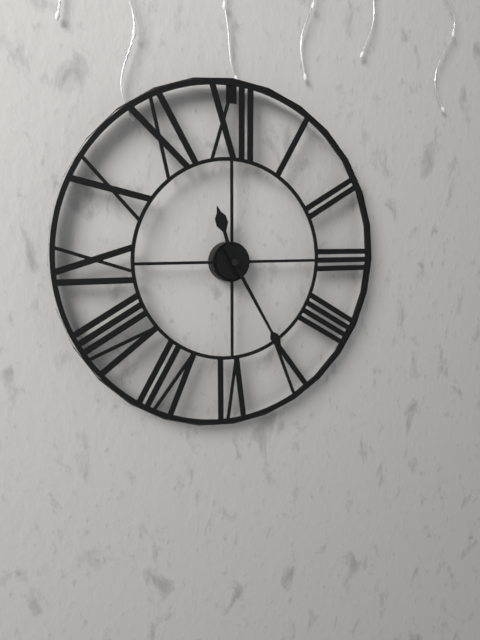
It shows 11:25
